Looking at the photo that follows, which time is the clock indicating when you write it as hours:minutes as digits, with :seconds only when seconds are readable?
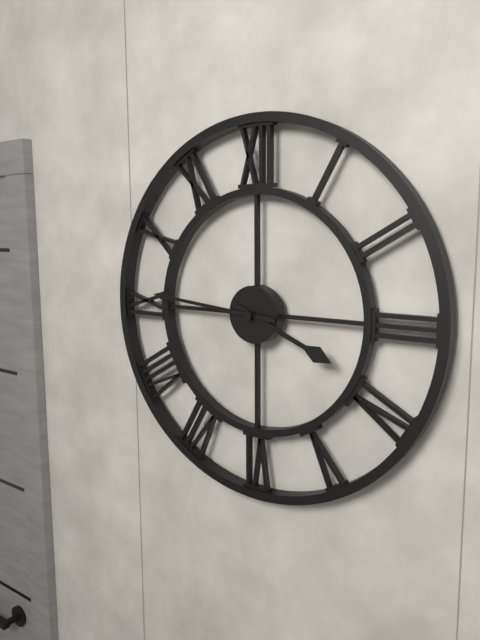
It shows 3:46
